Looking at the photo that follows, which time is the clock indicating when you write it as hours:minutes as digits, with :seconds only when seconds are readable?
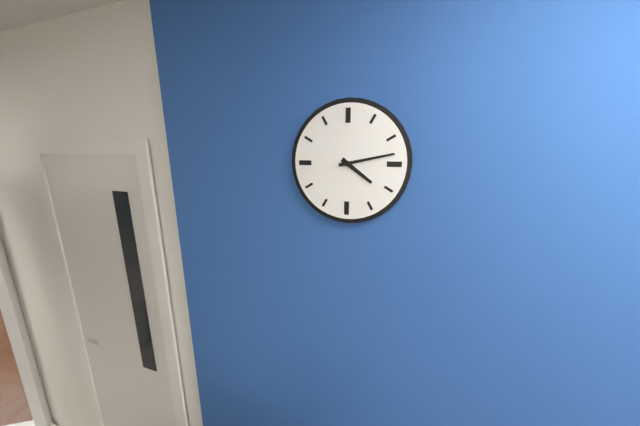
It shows 4:13
